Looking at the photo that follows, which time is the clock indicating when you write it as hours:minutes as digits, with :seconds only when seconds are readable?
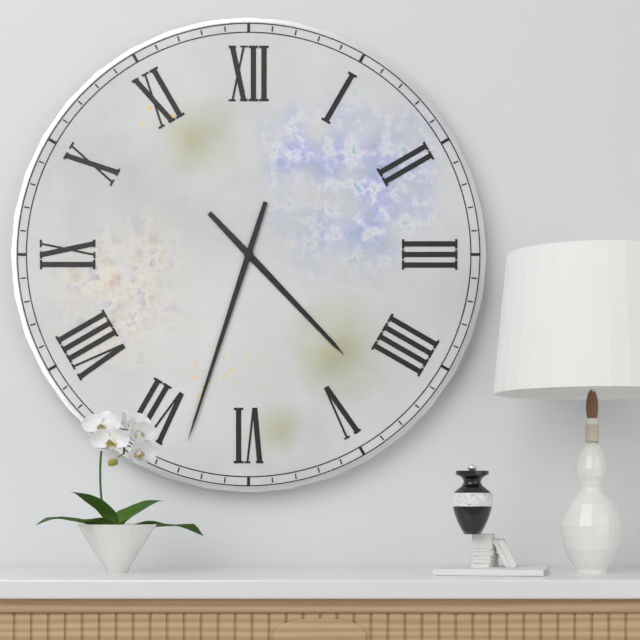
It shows 4:33
